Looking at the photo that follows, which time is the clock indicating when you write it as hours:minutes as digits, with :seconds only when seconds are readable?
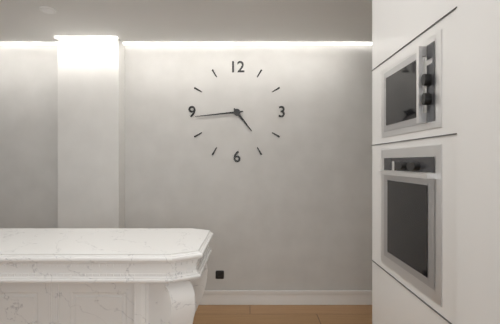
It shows 4:44
